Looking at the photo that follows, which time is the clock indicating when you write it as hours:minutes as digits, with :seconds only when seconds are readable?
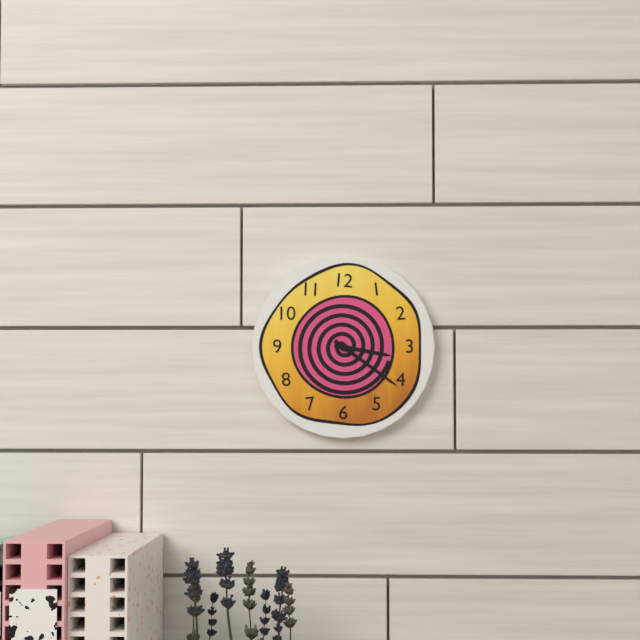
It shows 3:21
